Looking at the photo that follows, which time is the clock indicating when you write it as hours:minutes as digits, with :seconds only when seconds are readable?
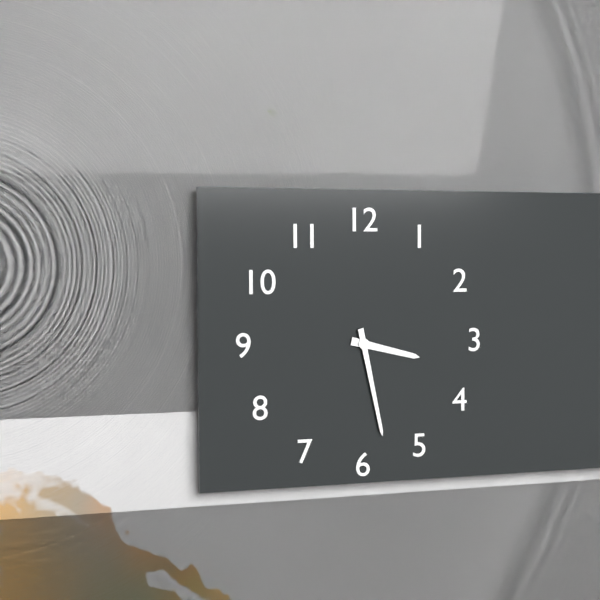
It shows 3:28
